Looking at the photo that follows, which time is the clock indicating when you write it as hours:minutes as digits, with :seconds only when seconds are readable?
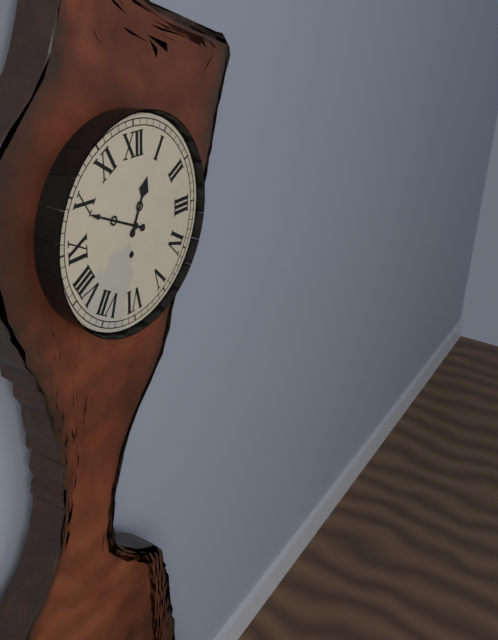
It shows 12:49
